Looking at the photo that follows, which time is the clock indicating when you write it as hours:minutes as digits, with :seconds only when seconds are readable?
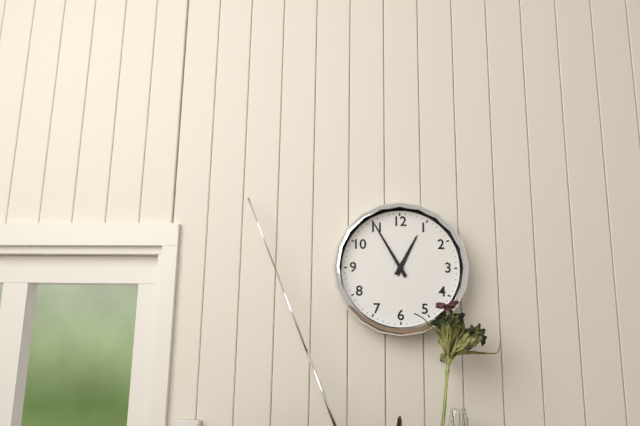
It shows 12:55
